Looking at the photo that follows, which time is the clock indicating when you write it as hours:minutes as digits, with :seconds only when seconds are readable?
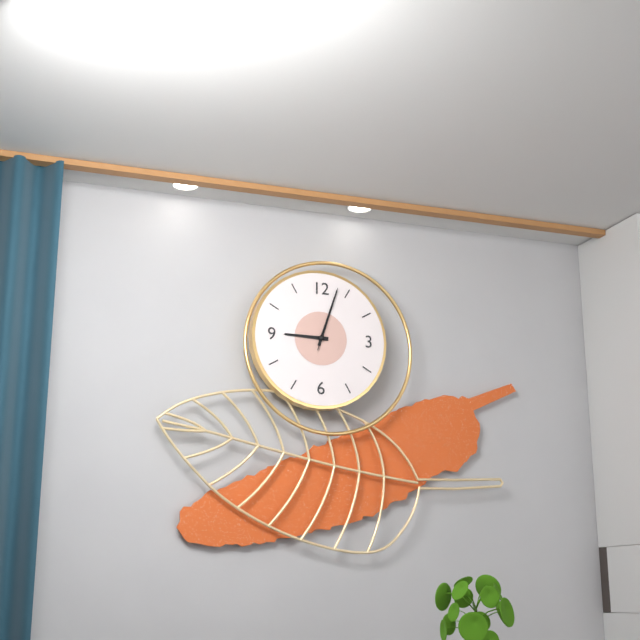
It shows 9:03:03
